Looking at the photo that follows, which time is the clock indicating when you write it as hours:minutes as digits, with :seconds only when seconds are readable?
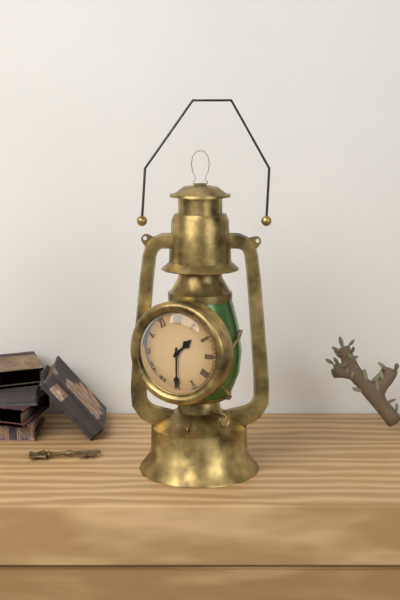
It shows 1:30
